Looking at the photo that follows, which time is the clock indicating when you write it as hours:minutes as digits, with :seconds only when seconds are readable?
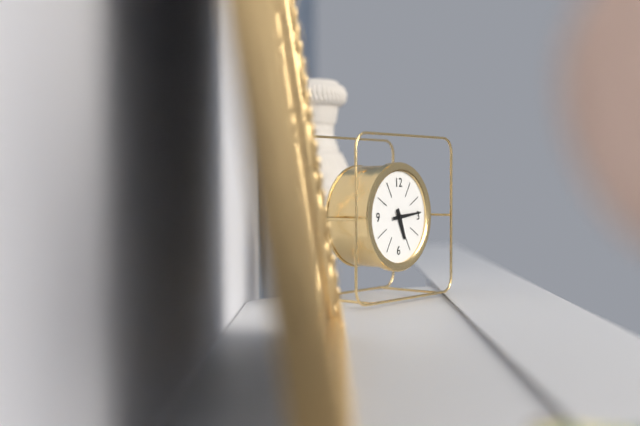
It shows 5:14
